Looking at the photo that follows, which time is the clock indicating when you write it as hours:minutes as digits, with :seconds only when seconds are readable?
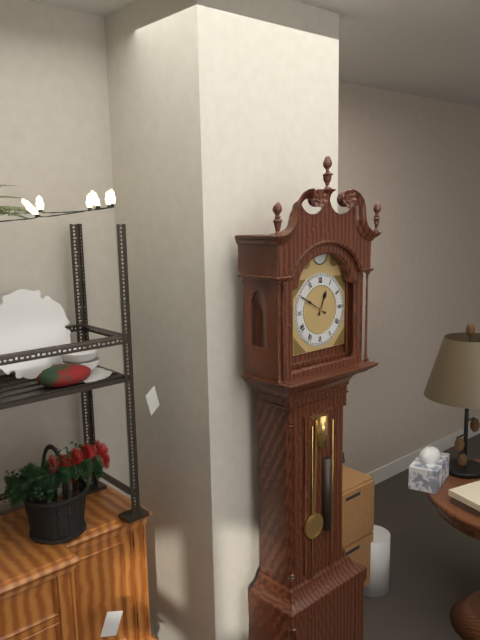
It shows 12:50
